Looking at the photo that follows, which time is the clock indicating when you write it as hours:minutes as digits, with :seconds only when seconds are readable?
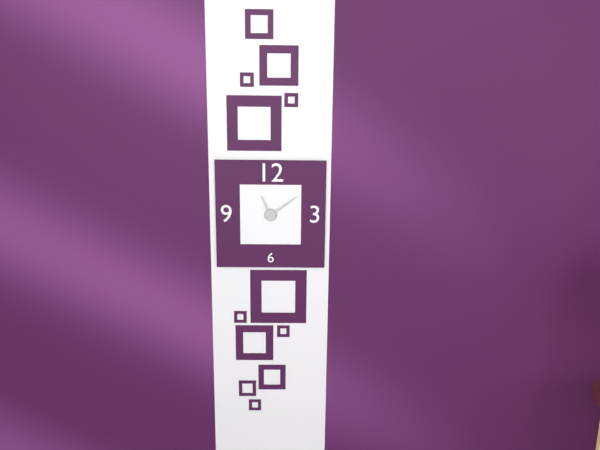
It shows 11:09
